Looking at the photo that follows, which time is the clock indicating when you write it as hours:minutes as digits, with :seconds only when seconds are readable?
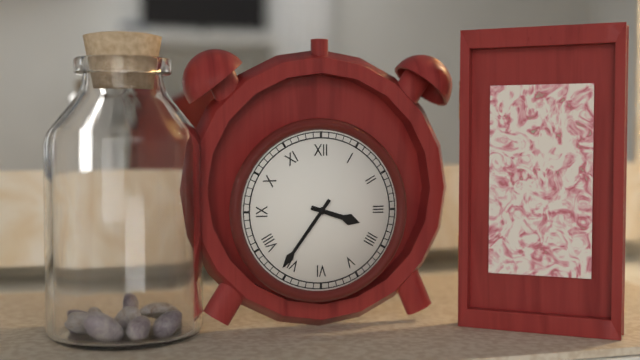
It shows 3:36
